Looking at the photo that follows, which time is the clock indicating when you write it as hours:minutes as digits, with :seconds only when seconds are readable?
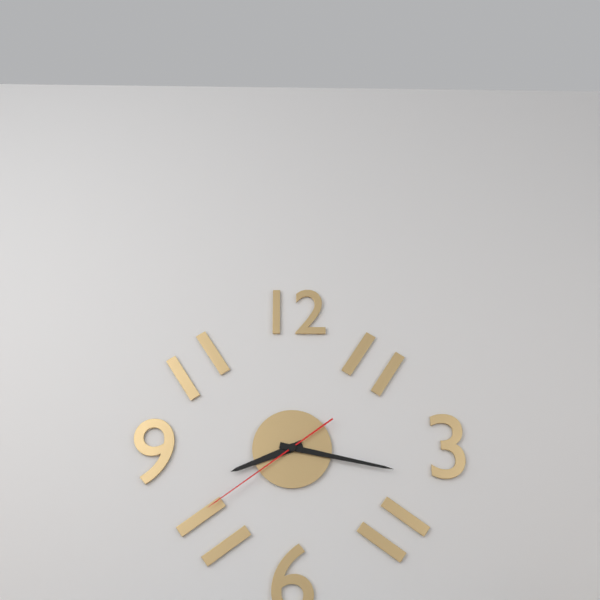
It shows 8:17:39
